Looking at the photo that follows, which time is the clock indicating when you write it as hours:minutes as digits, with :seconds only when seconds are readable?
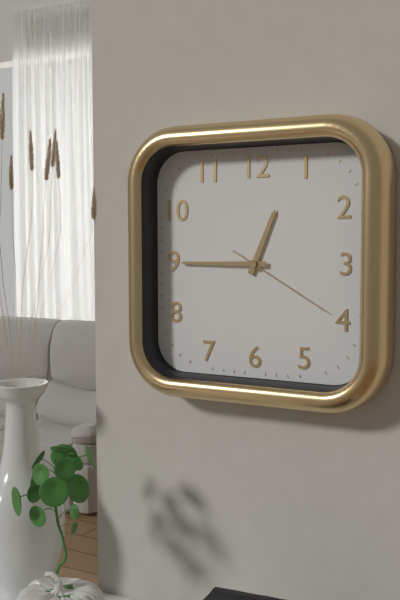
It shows 12:45:20
